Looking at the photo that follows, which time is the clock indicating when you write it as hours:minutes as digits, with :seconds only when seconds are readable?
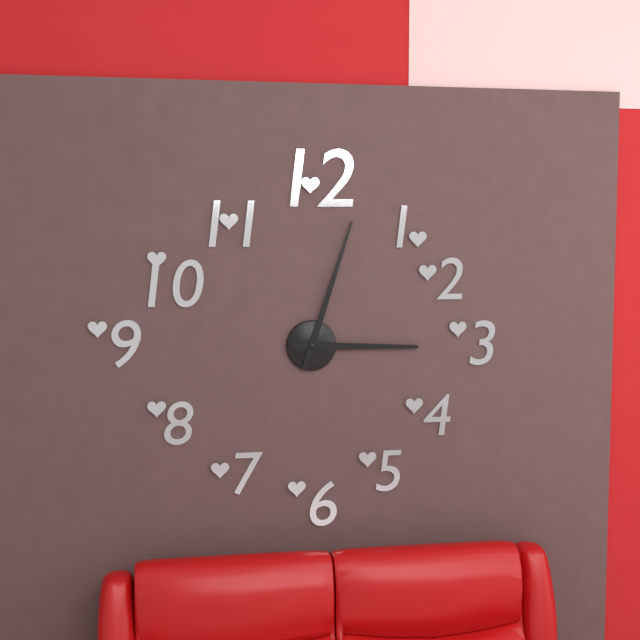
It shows 3:03
